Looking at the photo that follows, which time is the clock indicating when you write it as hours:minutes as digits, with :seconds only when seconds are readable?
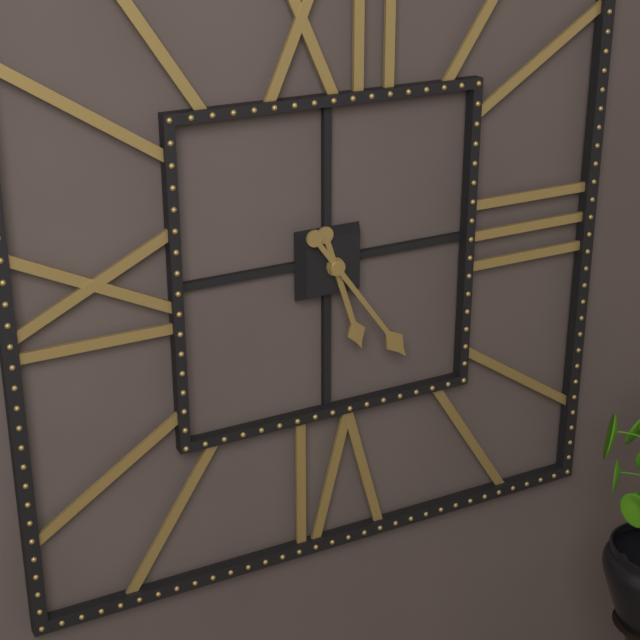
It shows 5:24
